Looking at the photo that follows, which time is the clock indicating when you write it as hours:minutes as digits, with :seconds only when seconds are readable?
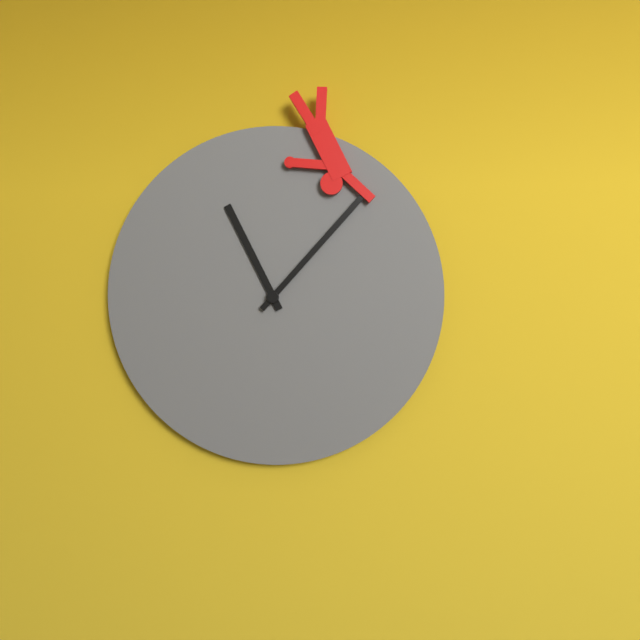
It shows 11:07
